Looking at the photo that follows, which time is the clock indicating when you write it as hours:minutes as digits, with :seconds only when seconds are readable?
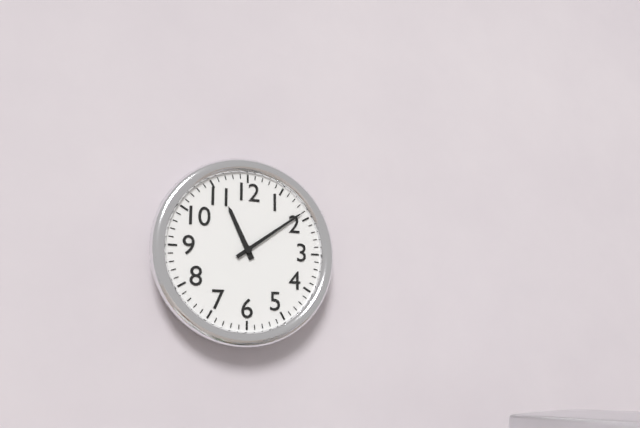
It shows 11:09
